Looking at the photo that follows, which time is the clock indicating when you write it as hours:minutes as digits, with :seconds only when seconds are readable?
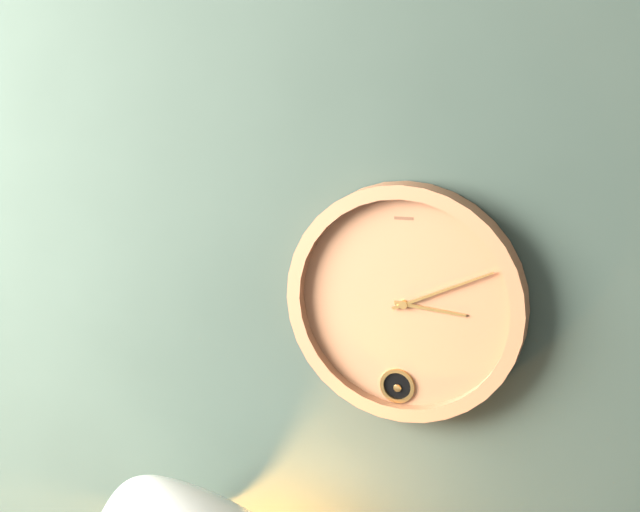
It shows 3:11
